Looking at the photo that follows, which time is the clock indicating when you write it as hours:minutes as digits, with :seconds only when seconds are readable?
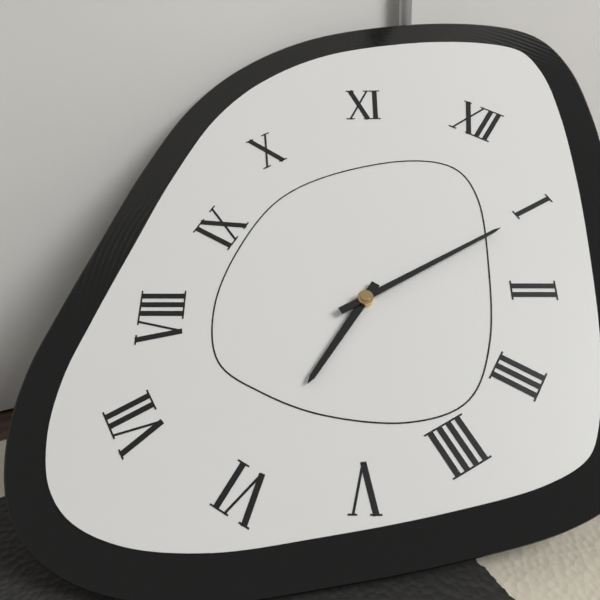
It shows 6:05
